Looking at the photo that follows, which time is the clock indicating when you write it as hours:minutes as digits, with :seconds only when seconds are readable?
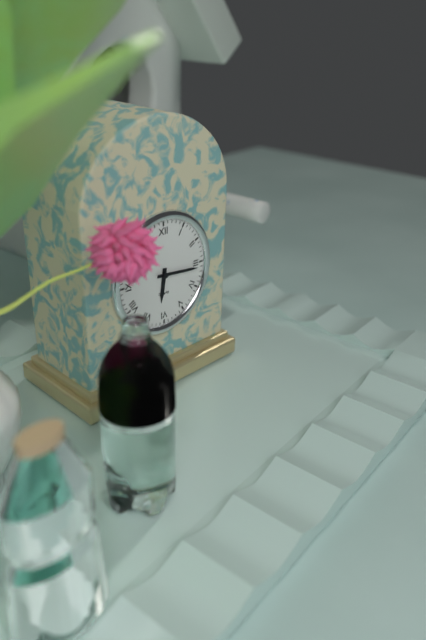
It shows 6:16
